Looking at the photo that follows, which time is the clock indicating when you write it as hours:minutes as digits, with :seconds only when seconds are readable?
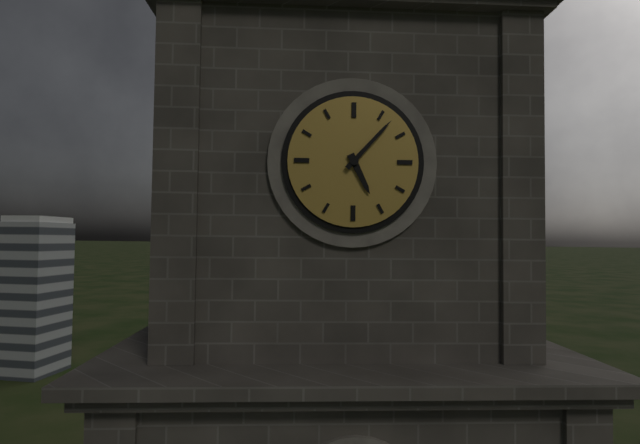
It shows 5:07
